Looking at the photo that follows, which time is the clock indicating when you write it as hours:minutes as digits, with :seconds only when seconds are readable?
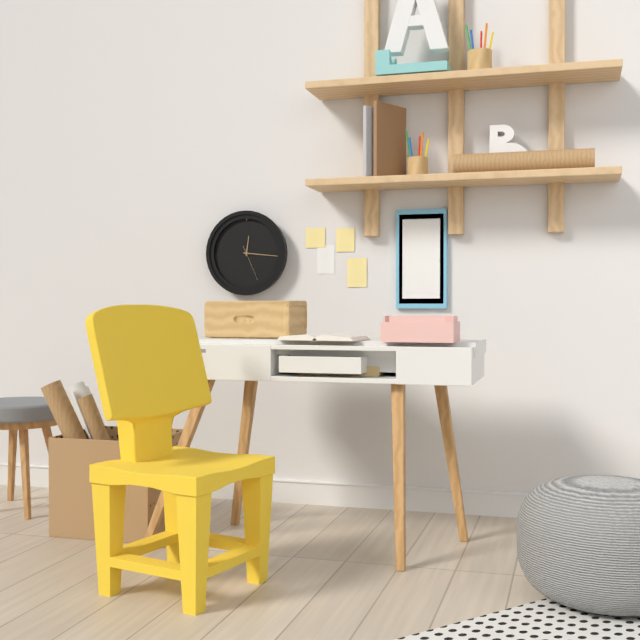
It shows 12:16
